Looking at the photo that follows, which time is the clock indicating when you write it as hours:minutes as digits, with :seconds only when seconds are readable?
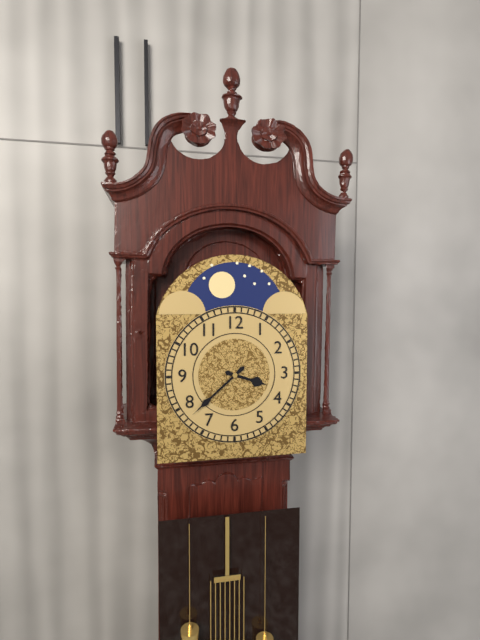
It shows 3:38
